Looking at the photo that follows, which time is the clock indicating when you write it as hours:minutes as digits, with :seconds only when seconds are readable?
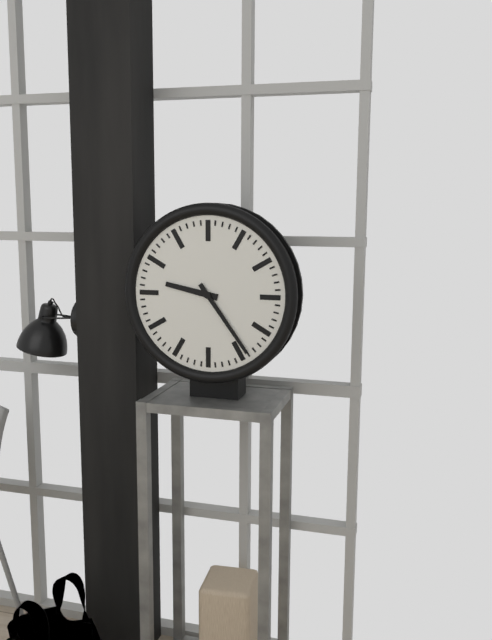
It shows 9:24
